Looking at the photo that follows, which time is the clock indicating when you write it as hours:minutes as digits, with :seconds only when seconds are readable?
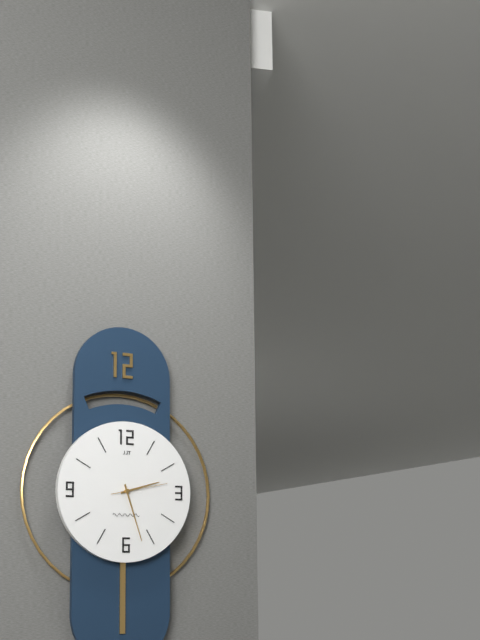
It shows 2:27:13
